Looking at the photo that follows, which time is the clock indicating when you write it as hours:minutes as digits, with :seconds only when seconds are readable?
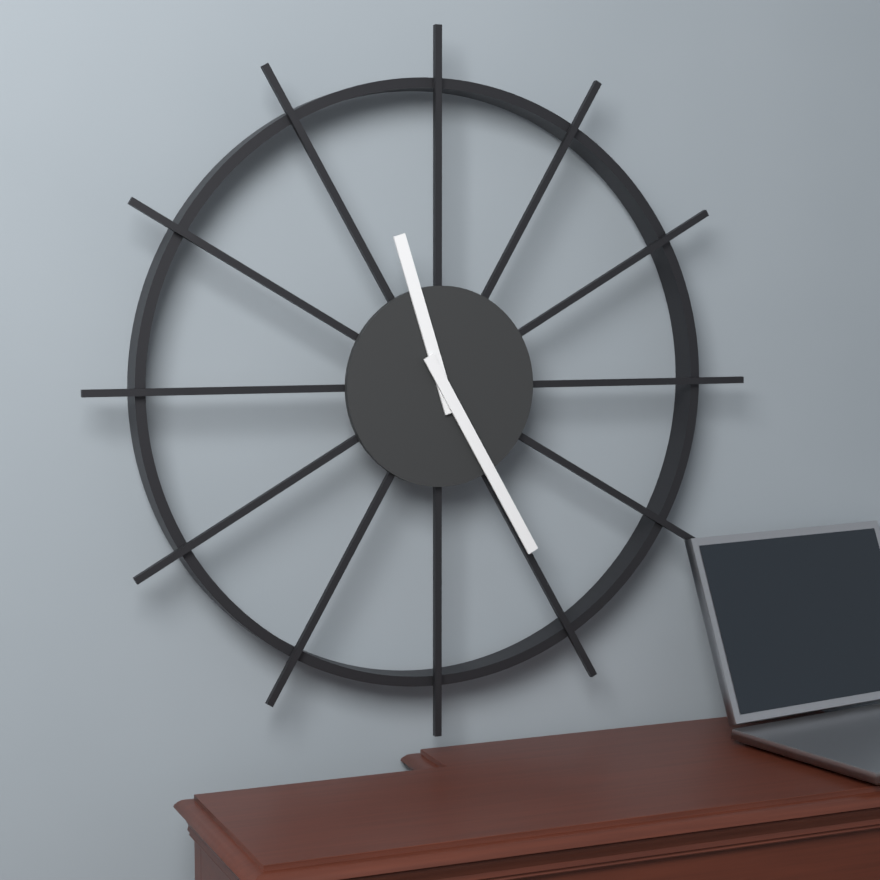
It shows 11:25
